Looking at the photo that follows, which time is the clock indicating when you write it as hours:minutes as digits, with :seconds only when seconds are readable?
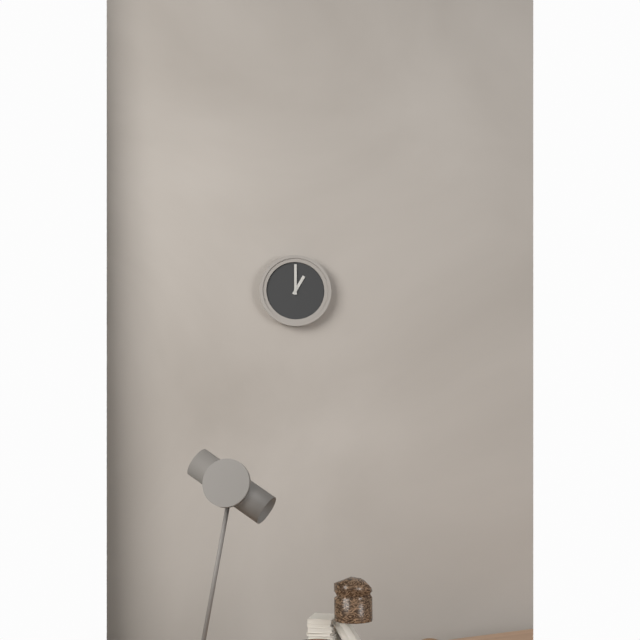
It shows 1:00
